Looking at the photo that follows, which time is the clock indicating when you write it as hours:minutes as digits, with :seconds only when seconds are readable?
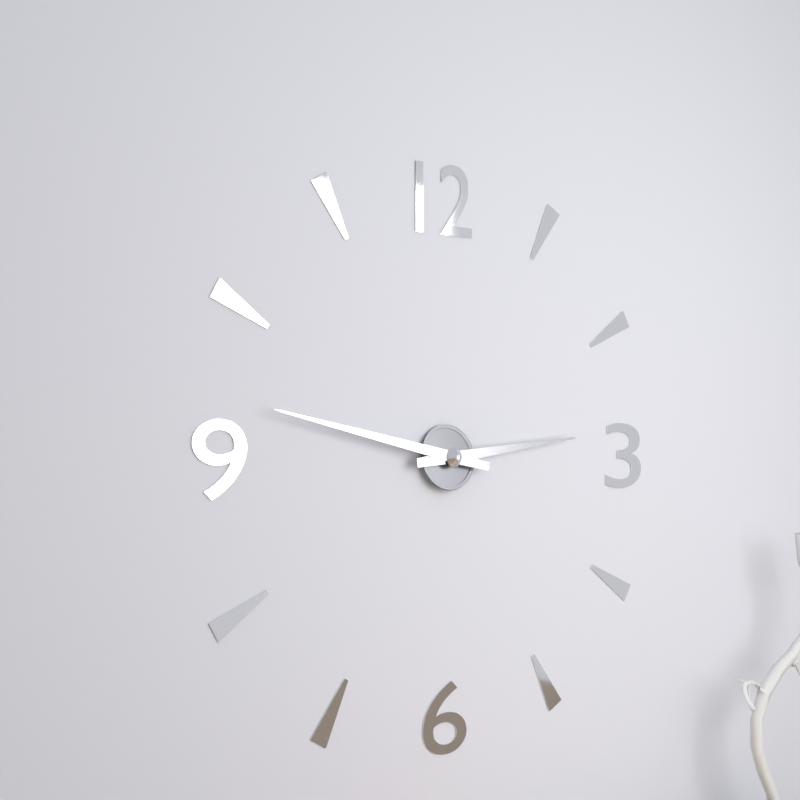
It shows 2:47
